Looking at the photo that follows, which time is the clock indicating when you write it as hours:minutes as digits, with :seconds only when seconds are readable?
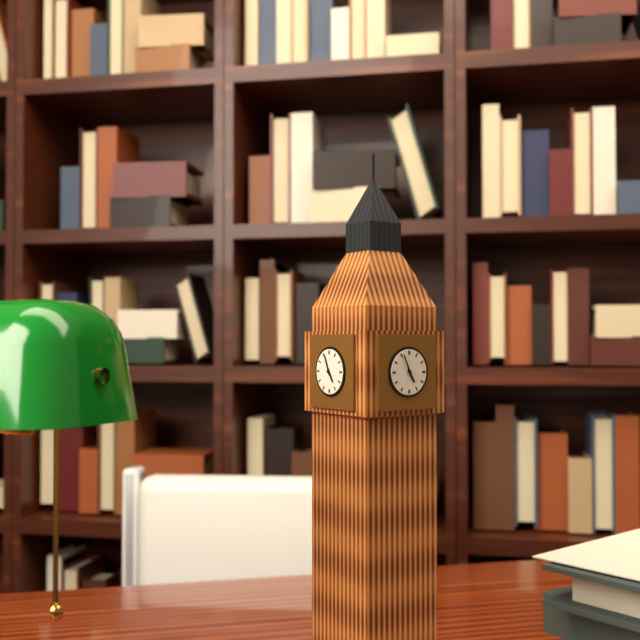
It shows 4:56
